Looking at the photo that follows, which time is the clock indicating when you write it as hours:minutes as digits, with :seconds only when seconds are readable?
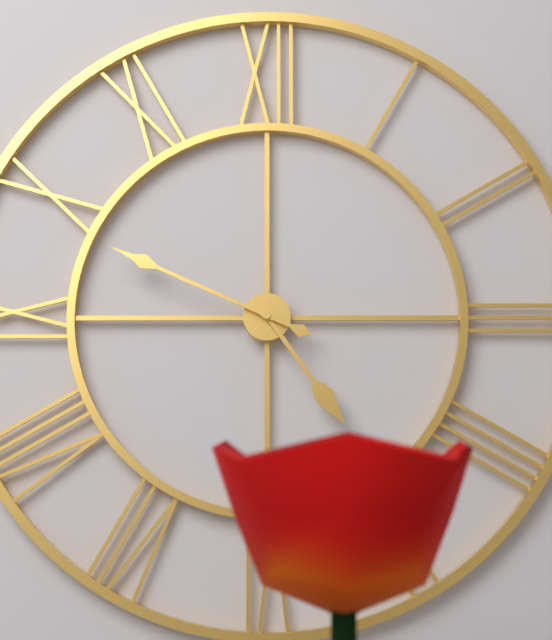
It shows 4:49
